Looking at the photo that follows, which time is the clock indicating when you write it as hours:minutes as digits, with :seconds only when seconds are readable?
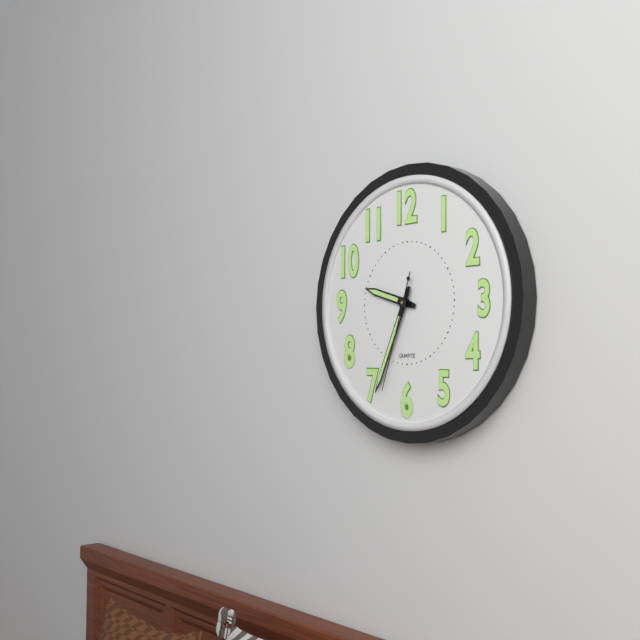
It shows 9:34:33
